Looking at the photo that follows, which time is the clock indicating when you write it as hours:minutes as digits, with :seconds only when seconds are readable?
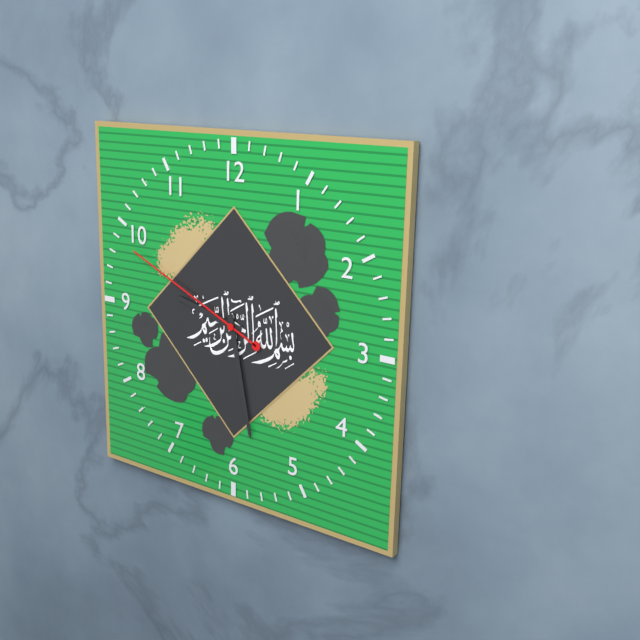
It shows 9:28:49
